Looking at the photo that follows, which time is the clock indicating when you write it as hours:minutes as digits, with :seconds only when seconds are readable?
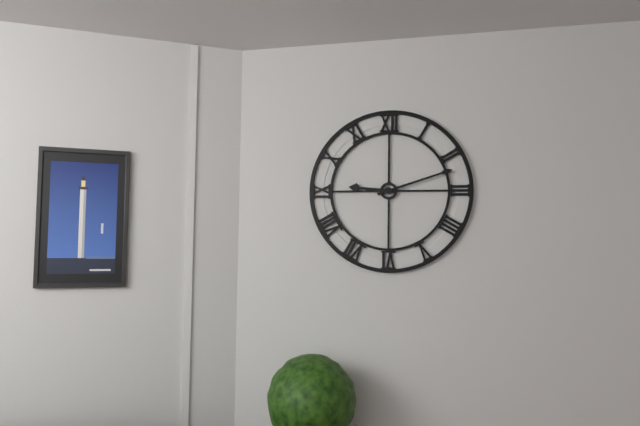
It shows 9:12
